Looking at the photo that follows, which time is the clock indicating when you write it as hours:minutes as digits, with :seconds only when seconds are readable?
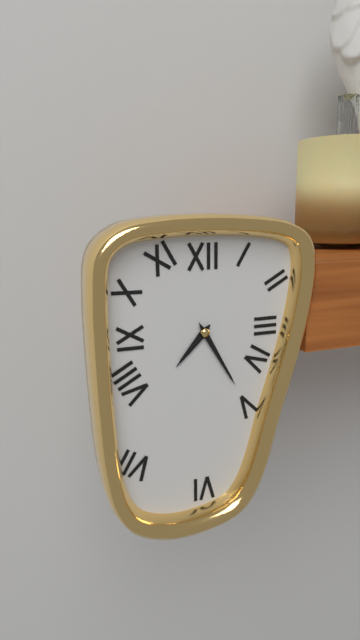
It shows 7:25
